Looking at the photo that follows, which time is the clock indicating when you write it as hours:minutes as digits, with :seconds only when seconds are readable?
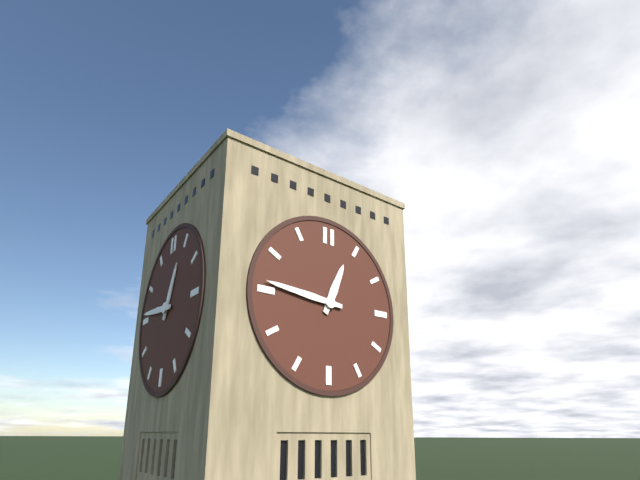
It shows 12:46
